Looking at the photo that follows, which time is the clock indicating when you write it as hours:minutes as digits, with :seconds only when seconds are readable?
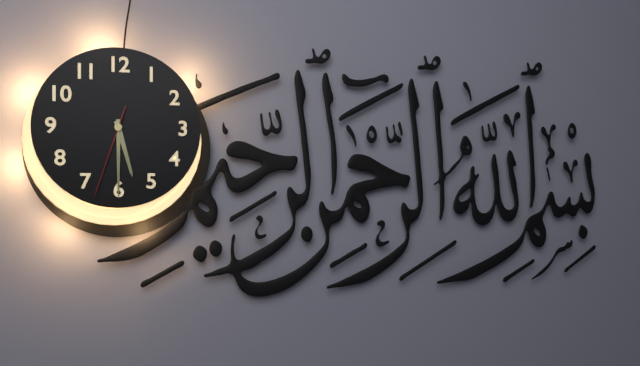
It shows 5:30:33
